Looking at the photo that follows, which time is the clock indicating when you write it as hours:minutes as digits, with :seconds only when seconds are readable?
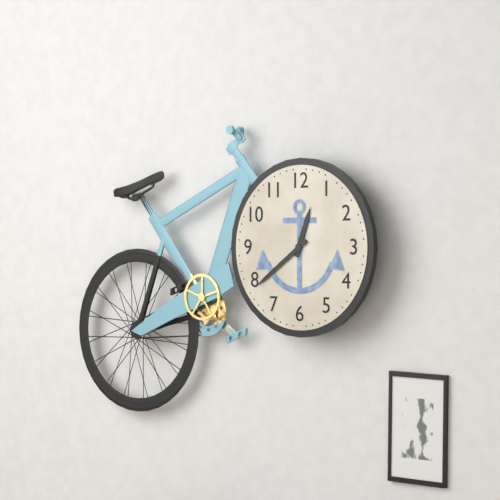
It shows 12:39
